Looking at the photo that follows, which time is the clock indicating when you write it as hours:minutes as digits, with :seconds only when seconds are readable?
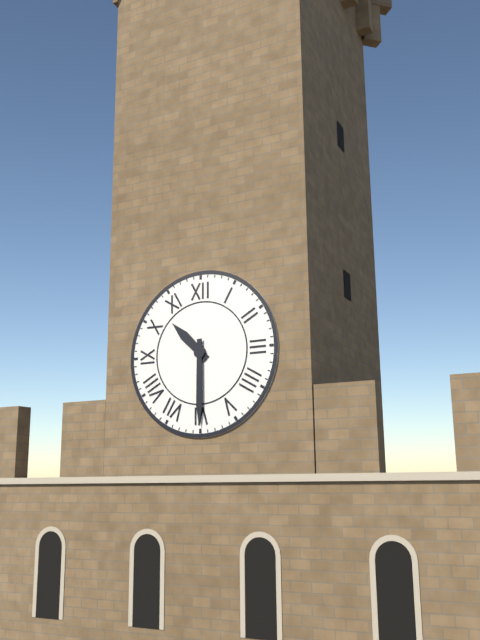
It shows 10:30
